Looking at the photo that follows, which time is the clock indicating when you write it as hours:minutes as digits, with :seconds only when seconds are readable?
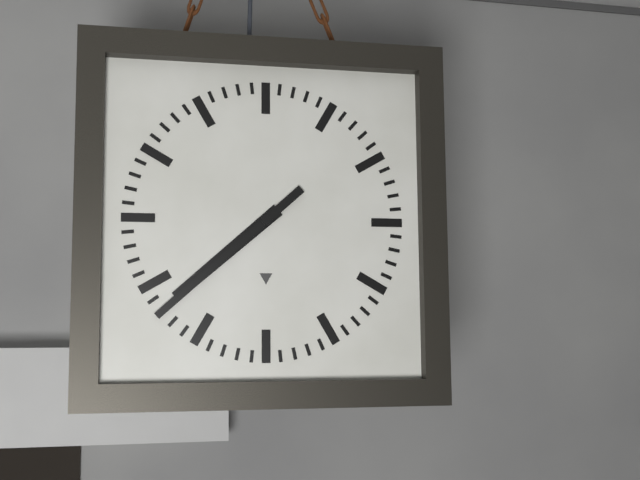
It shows 7:38
